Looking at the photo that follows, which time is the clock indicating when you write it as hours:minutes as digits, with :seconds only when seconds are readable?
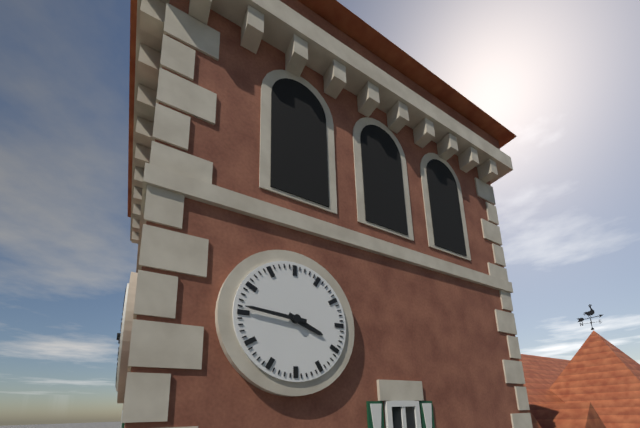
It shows 3:46
